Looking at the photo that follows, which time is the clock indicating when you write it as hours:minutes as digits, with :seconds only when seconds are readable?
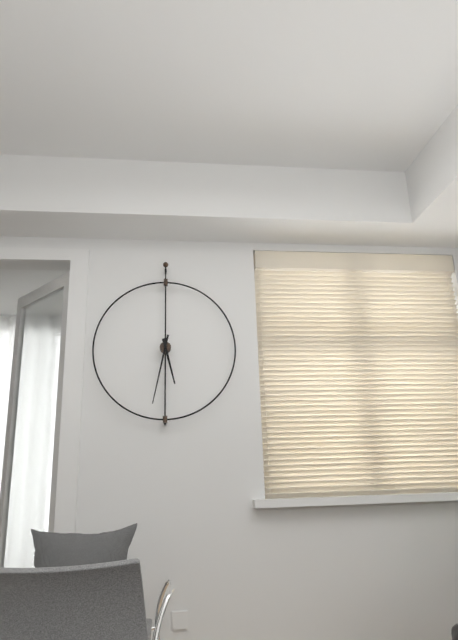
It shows 5:32
